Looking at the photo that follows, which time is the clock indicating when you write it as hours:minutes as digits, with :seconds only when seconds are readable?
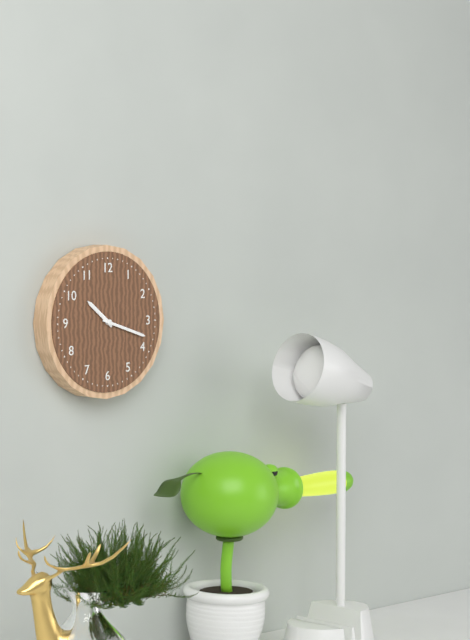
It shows 10:18
